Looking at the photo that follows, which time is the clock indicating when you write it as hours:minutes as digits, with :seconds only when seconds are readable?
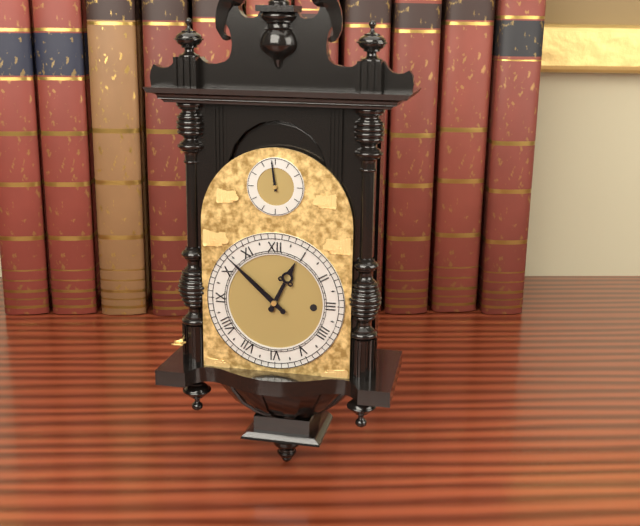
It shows 12:52
